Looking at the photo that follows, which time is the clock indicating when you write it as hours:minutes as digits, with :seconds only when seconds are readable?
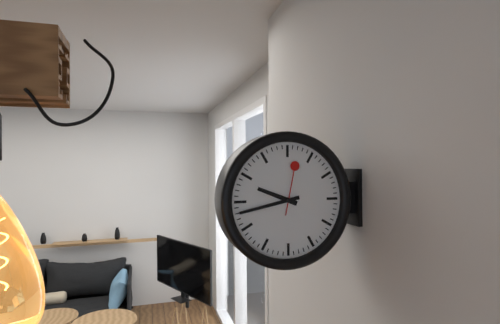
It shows 9:43:02
